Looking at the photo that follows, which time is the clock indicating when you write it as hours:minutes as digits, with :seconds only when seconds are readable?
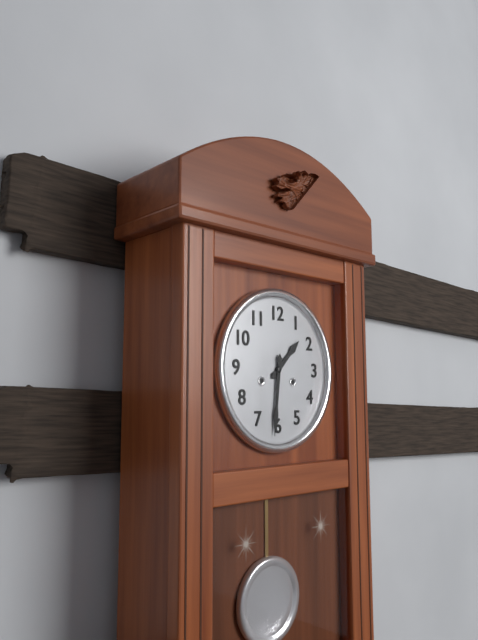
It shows 1:31
